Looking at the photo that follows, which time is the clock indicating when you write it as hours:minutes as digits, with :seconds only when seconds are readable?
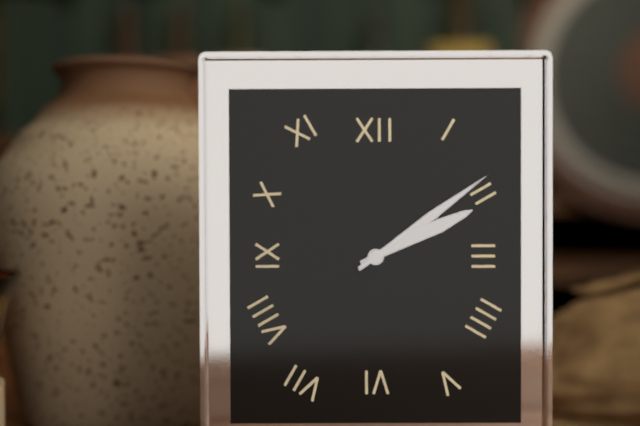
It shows 2:09
